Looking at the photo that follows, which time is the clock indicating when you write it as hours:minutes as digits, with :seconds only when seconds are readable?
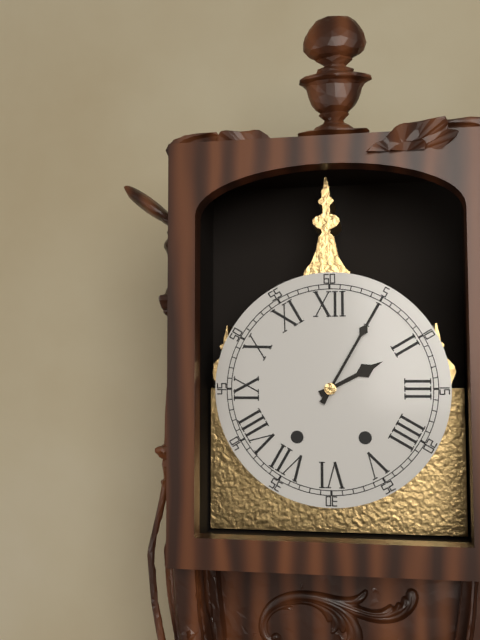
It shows 2:05
